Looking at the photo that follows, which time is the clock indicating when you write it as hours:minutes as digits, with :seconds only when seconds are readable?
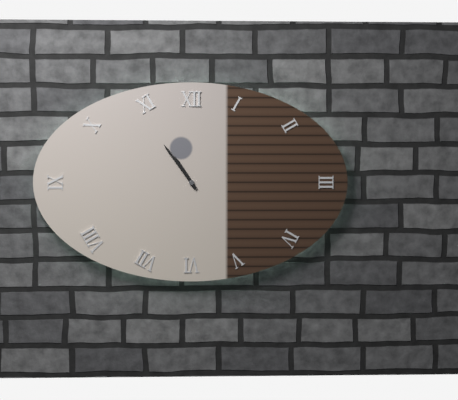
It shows 10:54
